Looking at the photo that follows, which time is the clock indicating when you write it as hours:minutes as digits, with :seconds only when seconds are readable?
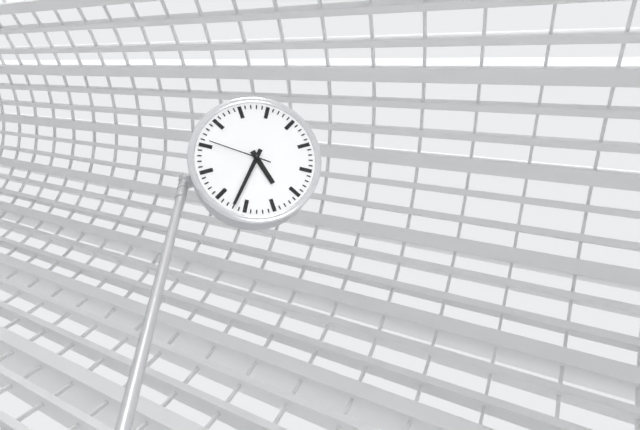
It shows 4:32:46
